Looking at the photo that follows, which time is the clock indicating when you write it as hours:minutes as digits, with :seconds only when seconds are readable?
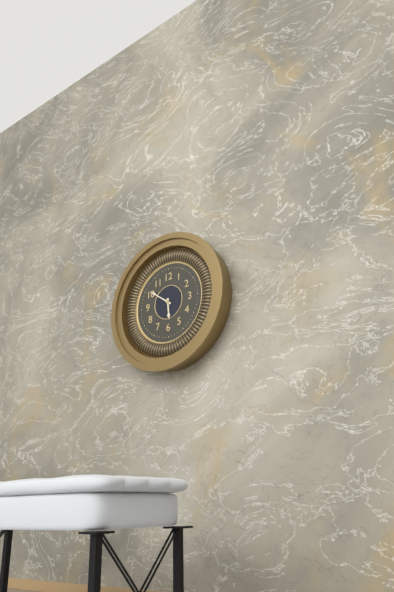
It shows 5:51
